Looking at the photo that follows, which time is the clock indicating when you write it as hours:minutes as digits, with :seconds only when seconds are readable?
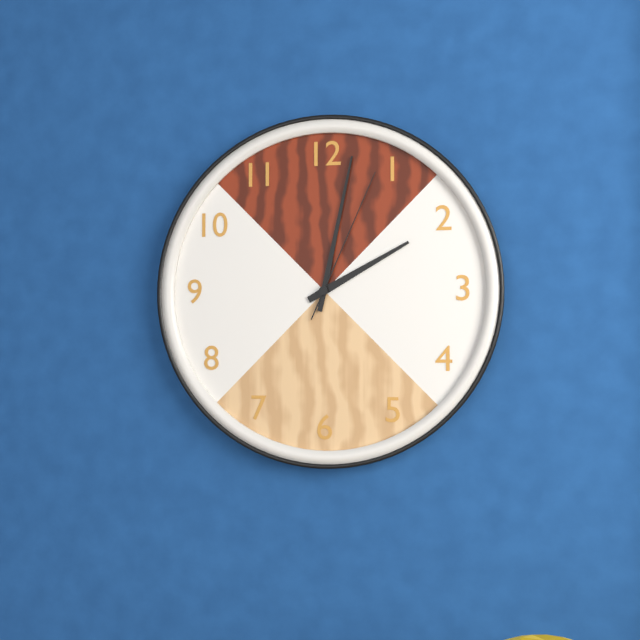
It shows 2:02:04
